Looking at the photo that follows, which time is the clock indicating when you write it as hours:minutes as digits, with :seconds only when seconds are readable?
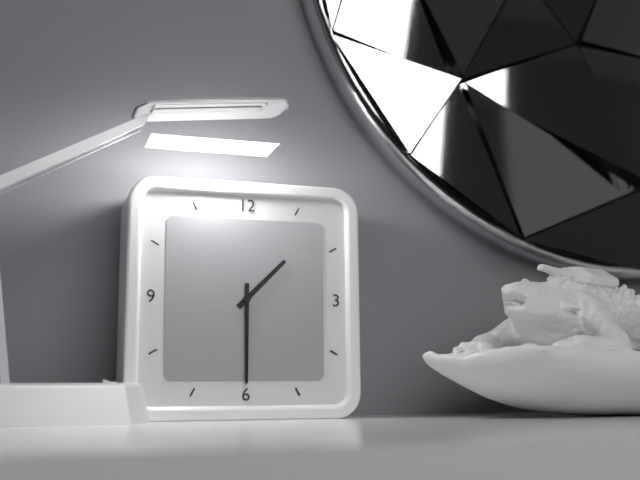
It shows 1:30
